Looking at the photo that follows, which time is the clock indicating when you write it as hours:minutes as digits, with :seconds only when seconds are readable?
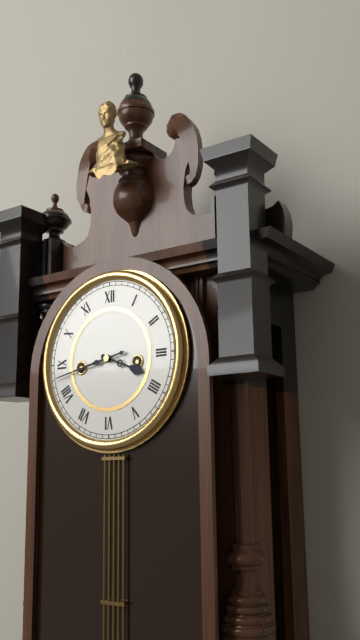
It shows 3:43
